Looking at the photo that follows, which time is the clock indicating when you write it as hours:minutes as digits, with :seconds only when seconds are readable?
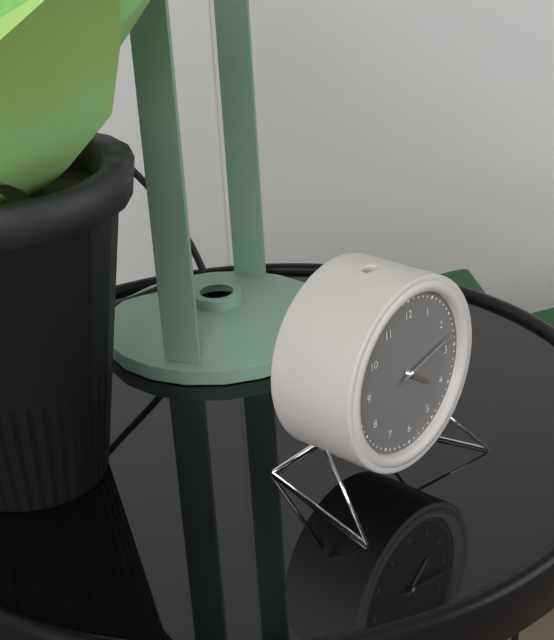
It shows 4:13:13
